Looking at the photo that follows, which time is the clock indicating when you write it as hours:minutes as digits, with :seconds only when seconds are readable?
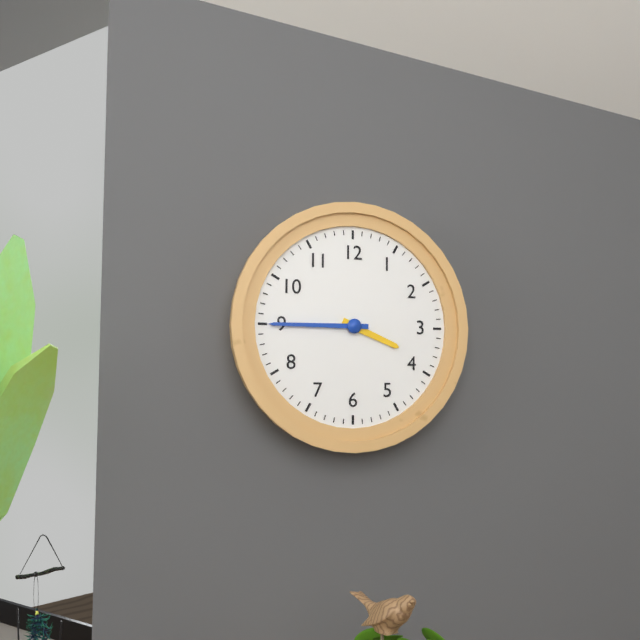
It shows 3:45
